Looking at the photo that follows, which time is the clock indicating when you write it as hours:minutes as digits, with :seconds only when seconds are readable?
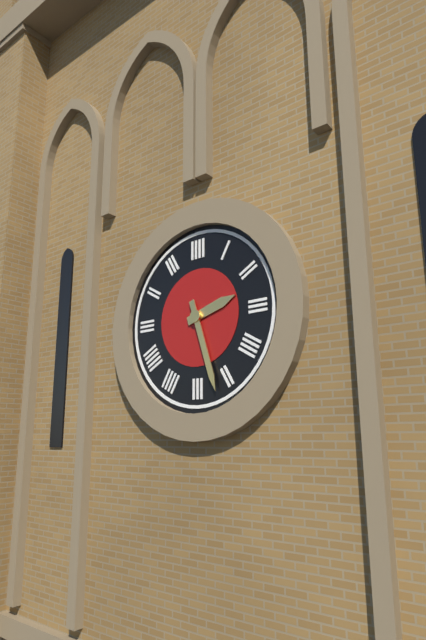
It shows 2:27
